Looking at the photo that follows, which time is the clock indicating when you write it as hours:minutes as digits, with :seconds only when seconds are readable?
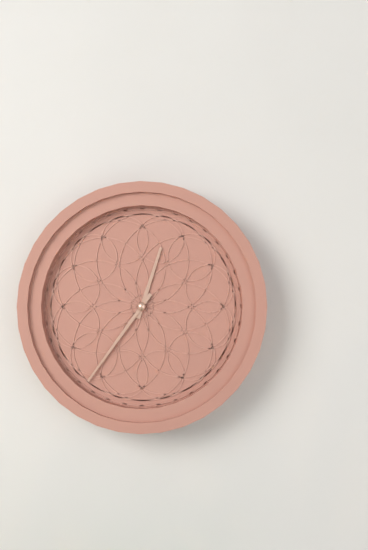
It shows 12:36
